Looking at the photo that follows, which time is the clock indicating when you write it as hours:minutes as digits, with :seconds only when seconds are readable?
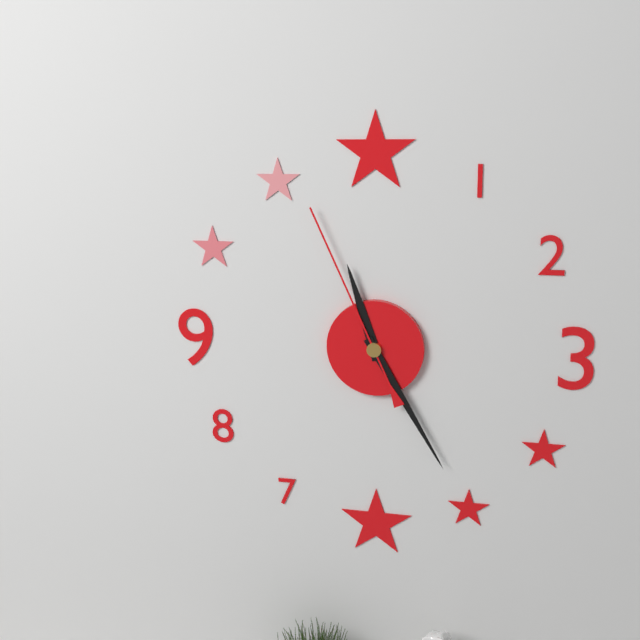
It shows 11:25:56
